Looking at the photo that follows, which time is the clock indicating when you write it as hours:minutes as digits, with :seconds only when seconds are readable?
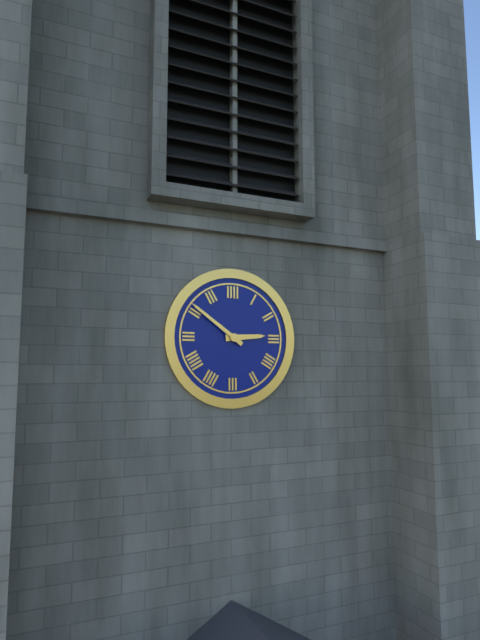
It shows 2:51
